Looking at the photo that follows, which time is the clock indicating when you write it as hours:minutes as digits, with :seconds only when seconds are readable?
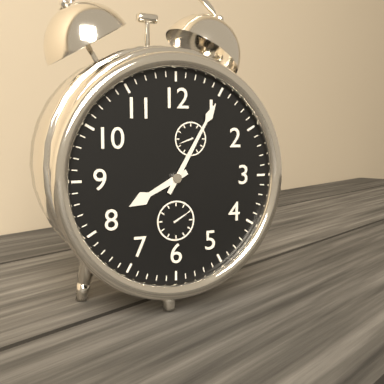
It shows 8:05
